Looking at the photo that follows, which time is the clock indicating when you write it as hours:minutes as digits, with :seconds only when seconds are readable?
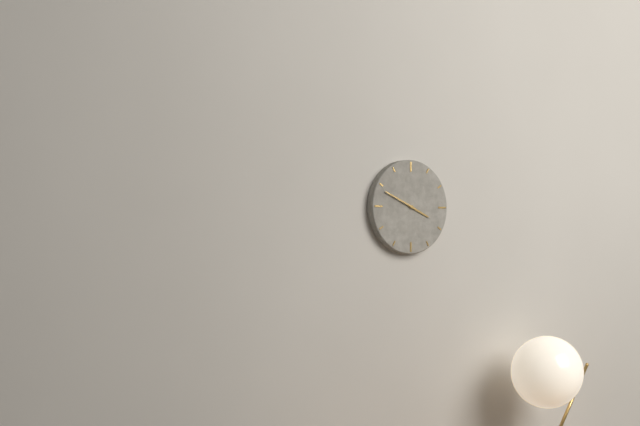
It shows 3:49
